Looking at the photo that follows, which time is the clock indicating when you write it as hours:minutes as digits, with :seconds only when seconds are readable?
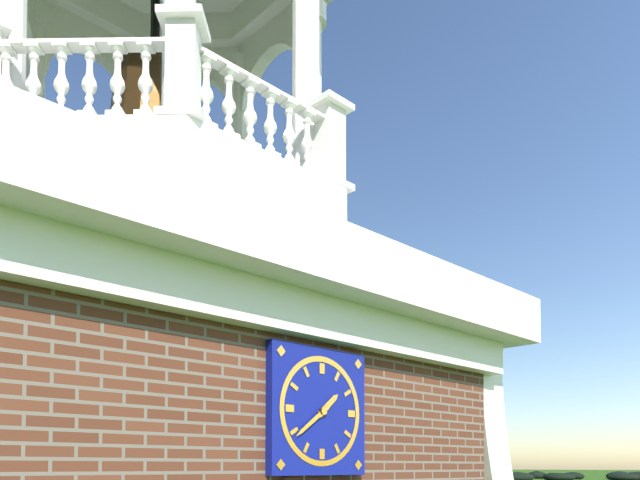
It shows 1:39
